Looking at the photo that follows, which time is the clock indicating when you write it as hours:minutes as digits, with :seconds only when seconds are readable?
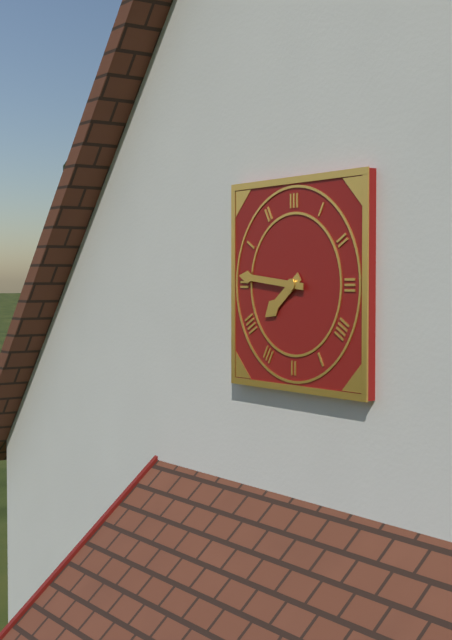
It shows 7:46
